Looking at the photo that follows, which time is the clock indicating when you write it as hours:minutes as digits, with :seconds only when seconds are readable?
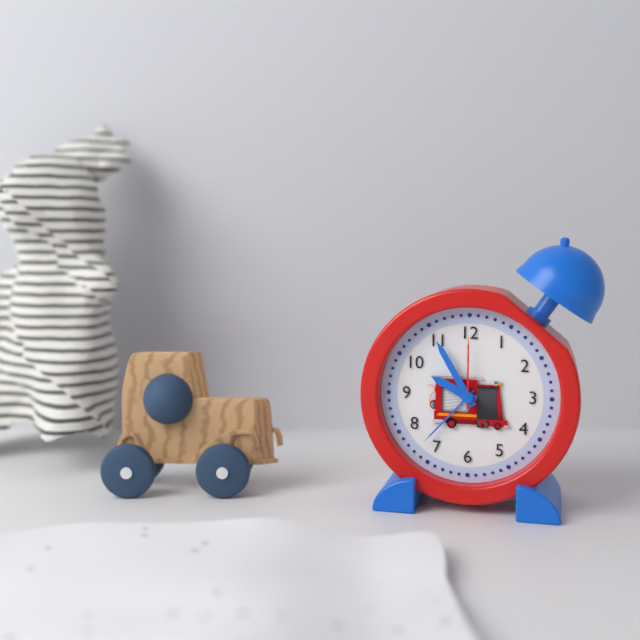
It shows 9:55:00
